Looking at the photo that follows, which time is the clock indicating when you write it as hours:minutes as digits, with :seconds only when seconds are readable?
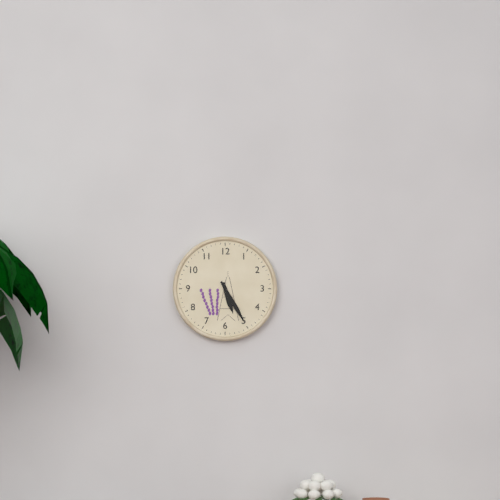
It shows 5:25
